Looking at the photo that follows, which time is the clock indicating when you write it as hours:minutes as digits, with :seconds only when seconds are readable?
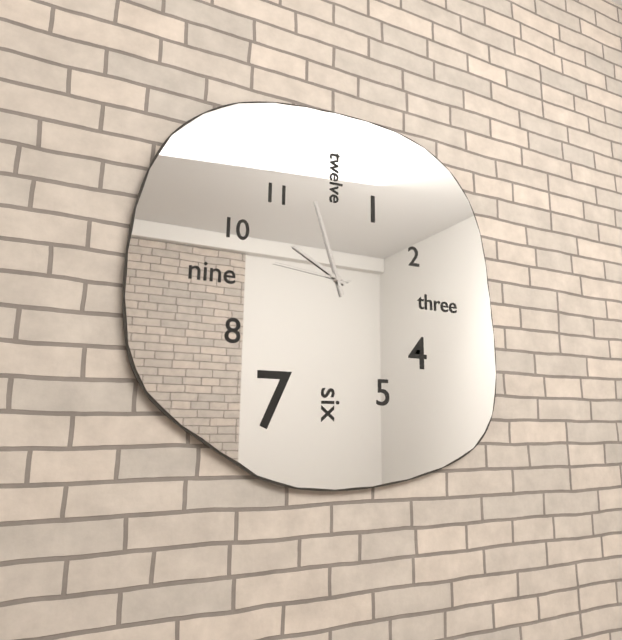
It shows 9:57:46
